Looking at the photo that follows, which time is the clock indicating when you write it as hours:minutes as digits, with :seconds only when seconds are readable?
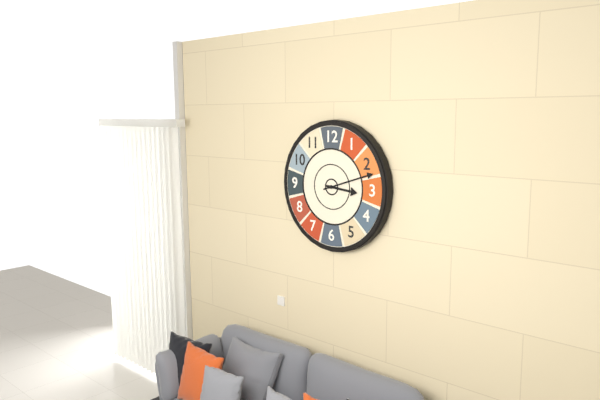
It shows 3:12
